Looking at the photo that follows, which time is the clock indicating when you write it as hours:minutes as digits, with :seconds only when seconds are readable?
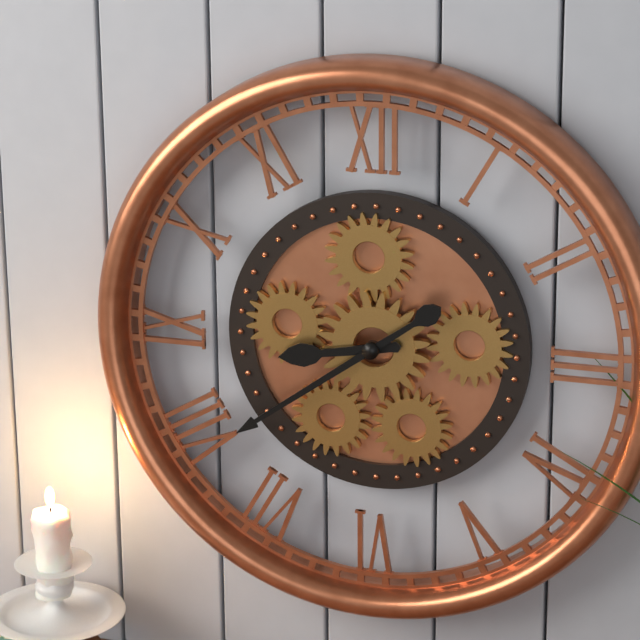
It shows 8:39
